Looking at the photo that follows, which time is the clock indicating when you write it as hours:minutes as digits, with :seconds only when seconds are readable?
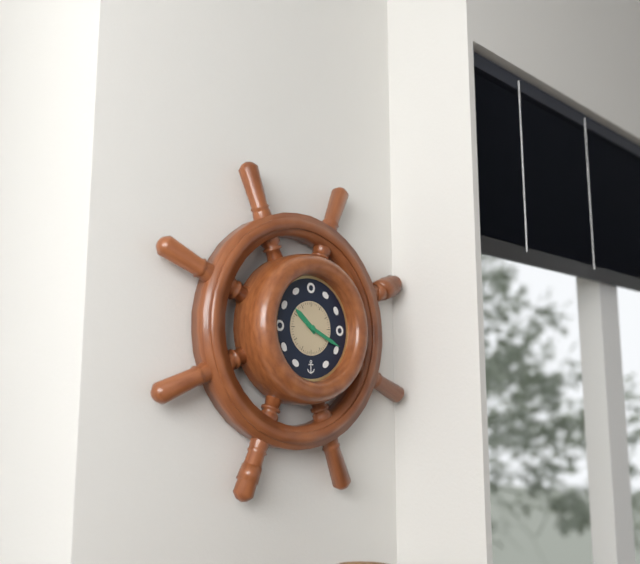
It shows 10:19
